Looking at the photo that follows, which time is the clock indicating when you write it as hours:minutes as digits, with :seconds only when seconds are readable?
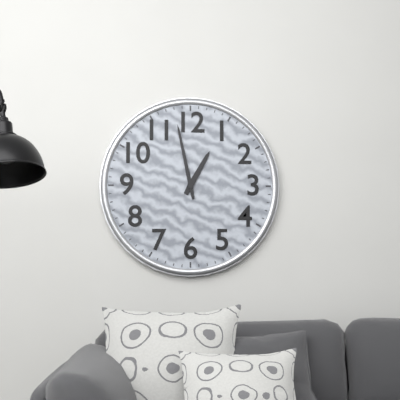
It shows 12:58
